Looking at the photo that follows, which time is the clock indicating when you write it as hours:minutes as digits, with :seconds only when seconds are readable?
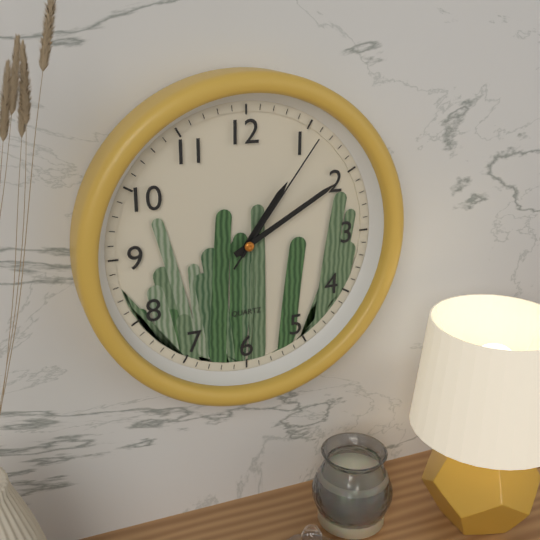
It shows 1:10:06
